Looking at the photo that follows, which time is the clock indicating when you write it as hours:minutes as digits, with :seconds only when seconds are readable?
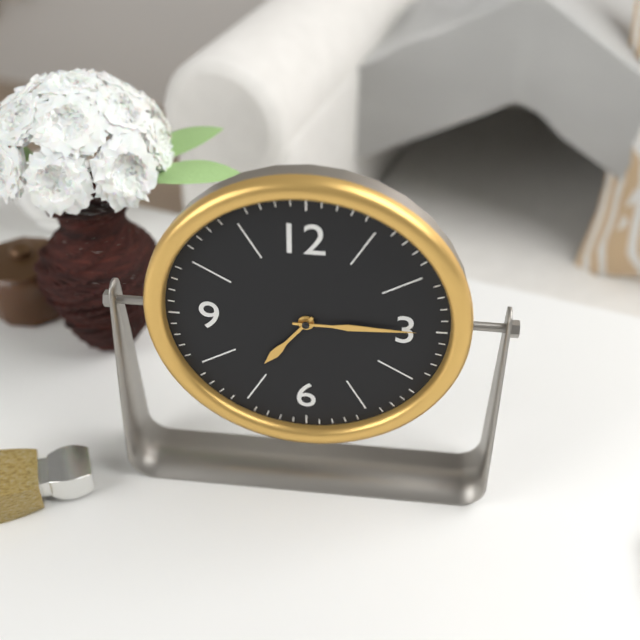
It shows 7:15
